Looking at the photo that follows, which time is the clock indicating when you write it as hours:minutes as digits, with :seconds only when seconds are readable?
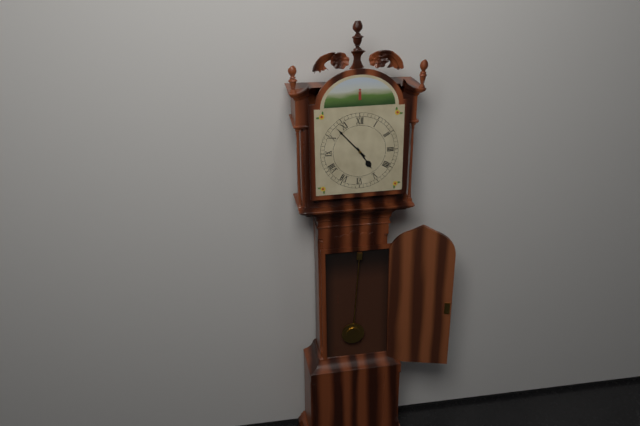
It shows 4:53
